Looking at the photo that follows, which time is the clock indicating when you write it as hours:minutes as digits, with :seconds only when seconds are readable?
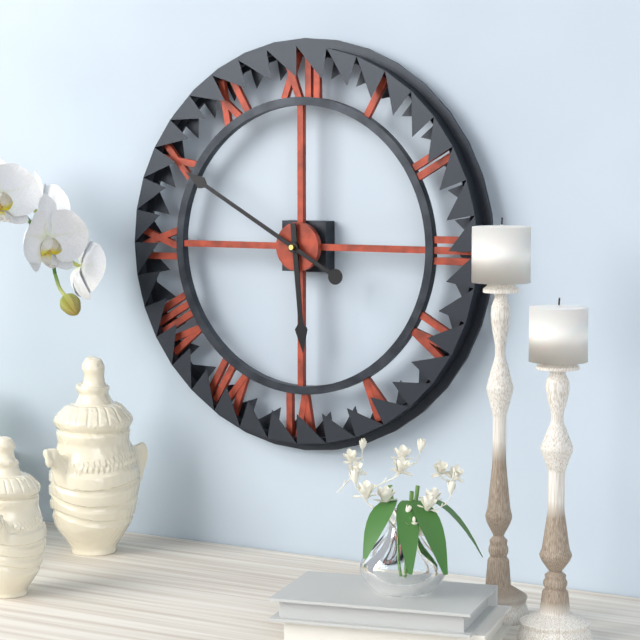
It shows 5:50
